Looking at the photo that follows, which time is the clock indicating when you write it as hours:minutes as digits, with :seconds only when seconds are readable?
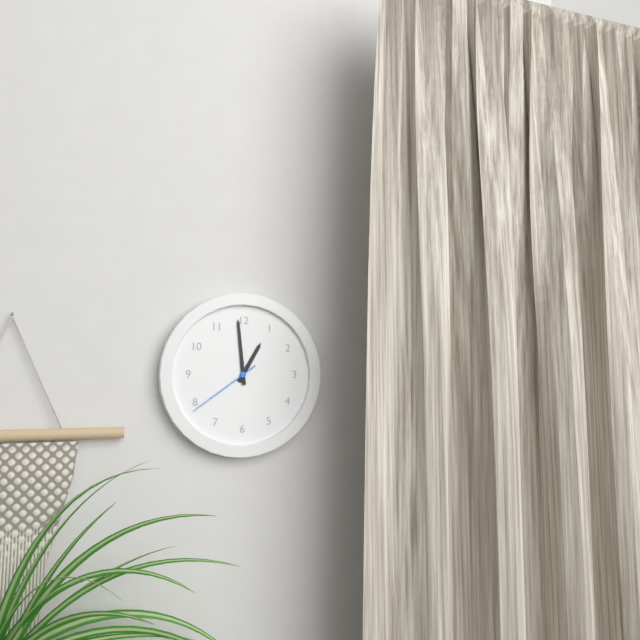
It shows 12:59:39
